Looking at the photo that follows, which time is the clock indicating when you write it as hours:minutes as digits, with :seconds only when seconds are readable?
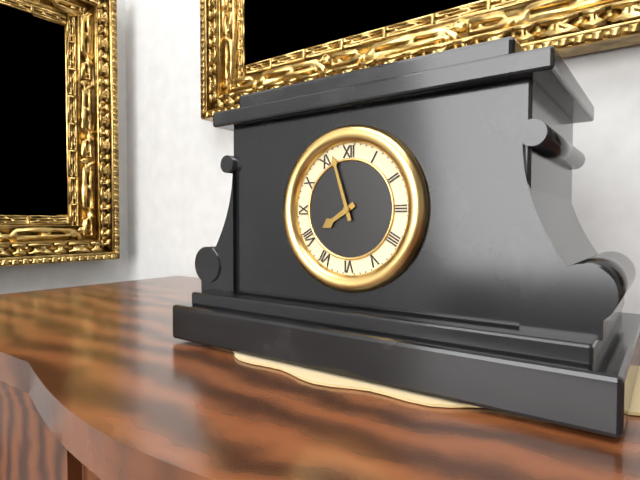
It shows 7:57
